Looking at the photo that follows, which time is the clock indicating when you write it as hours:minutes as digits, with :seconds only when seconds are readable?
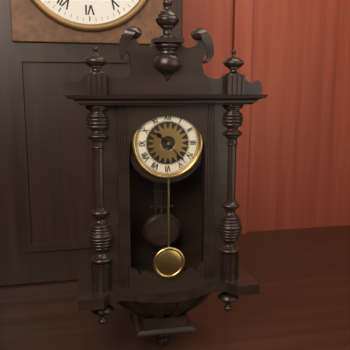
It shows 10:23
